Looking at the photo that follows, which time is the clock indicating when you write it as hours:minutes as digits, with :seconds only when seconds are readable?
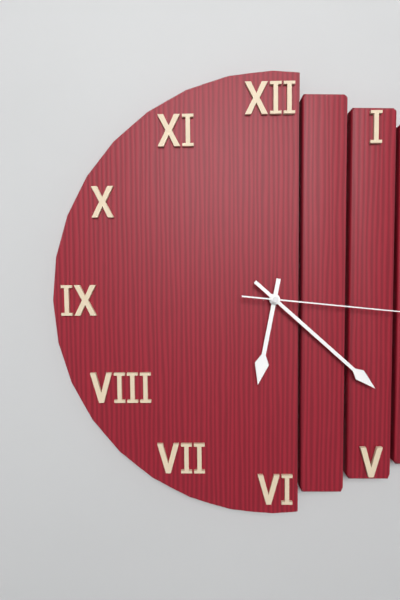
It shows 6:22
